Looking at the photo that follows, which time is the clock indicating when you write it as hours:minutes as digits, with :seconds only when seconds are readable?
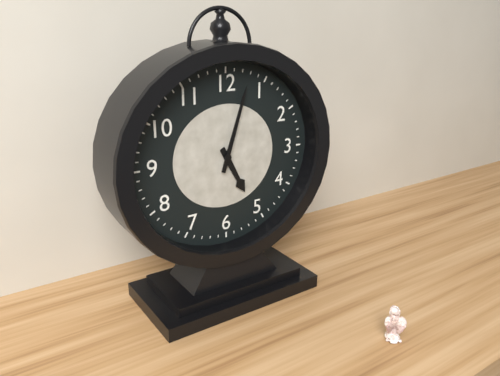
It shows 5:03
